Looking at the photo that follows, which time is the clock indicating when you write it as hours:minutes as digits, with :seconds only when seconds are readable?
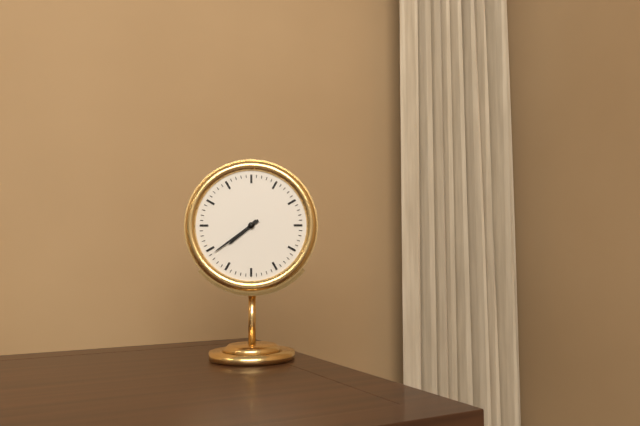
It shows 7:39
